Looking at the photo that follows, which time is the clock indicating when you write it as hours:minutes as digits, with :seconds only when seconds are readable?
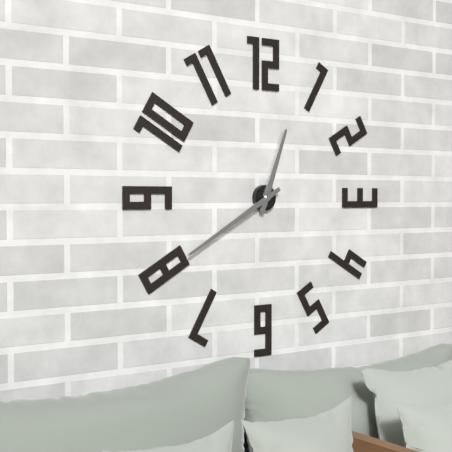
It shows 12:40
